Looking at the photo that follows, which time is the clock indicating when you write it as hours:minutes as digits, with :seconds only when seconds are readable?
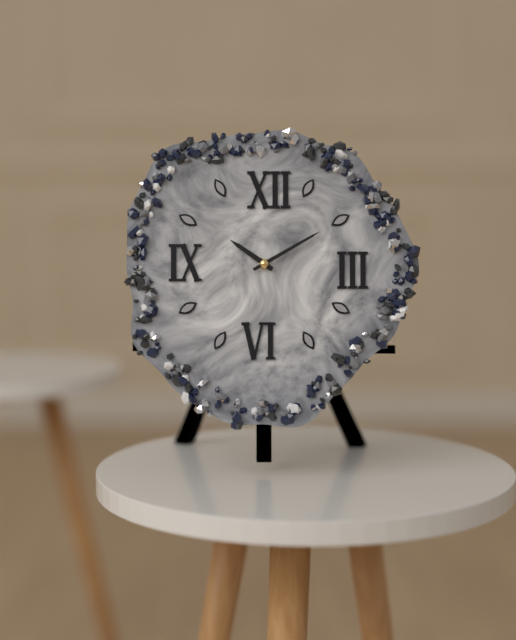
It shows 10:10
